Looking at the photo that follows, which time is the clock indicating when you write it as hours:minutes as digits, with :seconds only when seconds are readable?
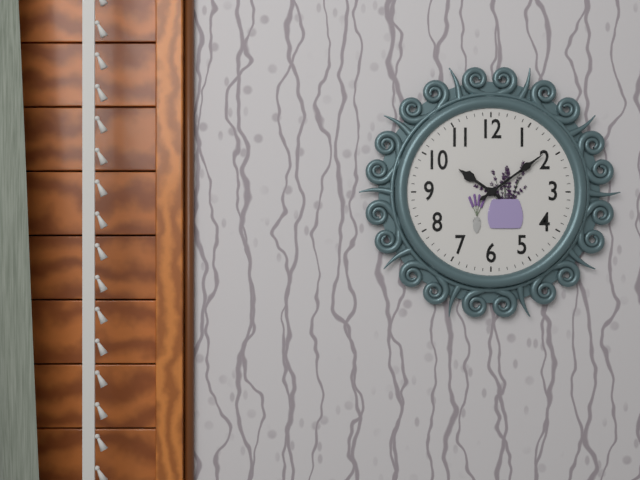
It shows 10:09
